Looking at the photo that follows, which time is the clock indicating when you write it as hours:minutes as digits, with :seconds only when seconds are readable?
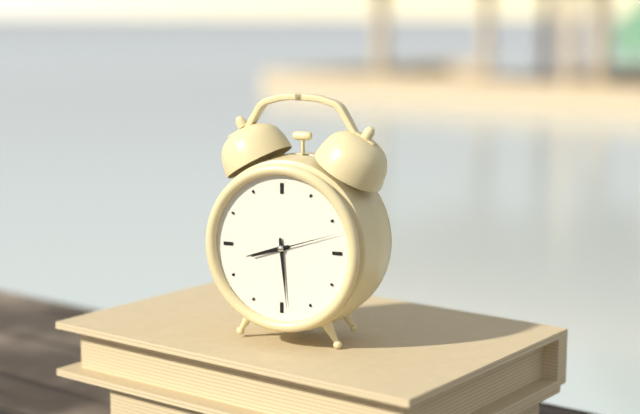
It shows 8:29:12
